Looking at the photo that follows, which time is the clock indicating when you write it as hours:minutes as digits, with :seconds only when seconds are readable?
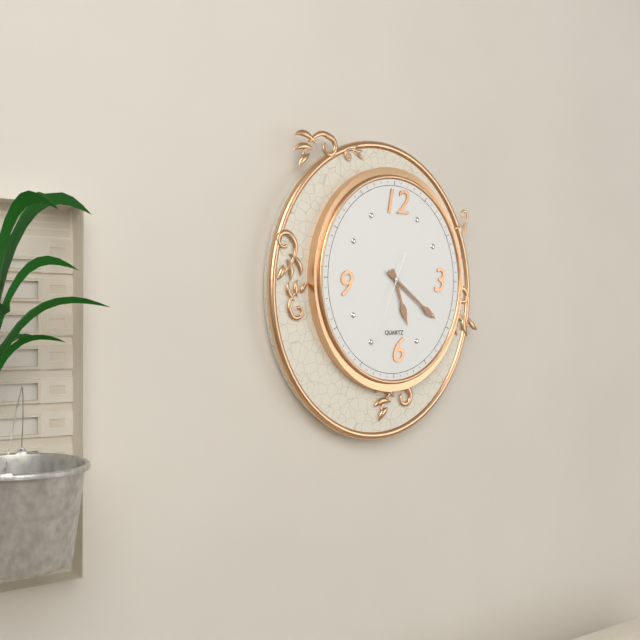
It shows 5:21:34
